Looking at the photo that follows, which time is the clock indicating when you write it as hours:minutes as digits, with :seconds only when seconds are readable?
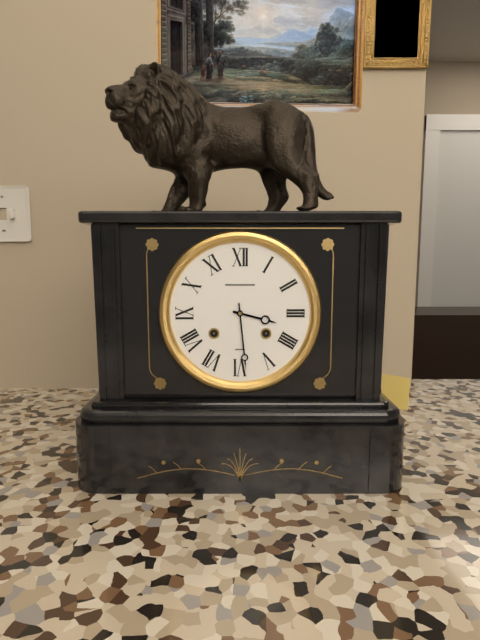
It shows 3:29
